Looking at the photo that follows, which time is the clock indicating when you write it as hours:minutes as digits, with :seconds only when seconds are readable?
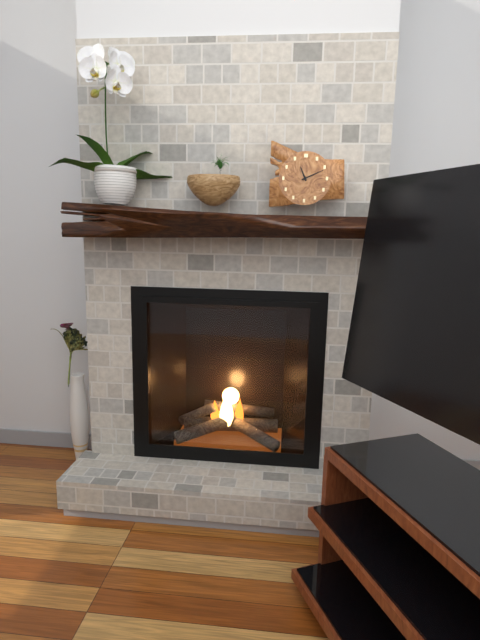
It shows 11:11
